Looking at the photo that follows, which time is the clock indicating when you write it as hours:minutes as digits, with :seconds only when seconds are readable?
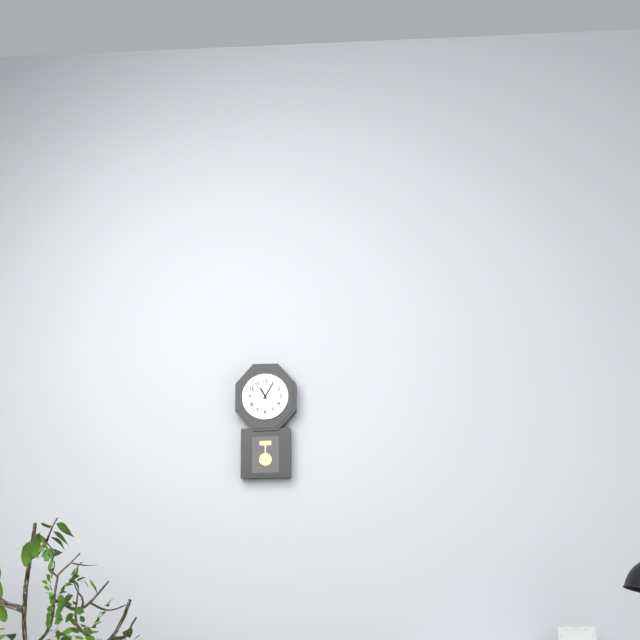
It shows 11:05
